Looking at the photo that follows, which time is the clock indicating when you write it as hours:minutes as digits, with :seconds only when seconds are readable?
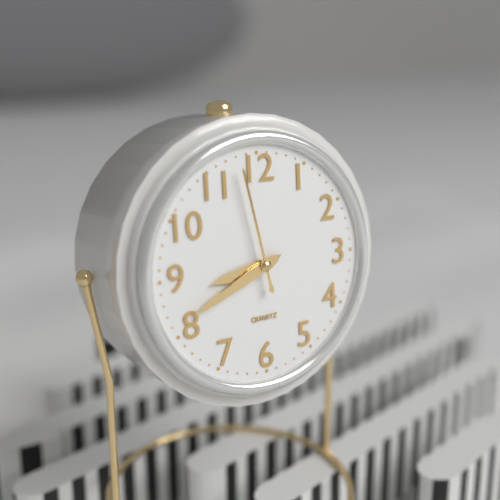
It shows 8:41:58
